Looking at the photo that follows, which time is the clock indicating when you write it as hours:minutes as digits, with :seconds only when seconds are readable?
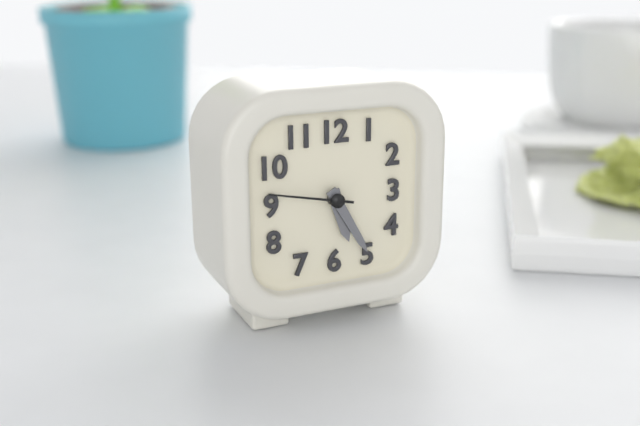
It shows 5:25:47
